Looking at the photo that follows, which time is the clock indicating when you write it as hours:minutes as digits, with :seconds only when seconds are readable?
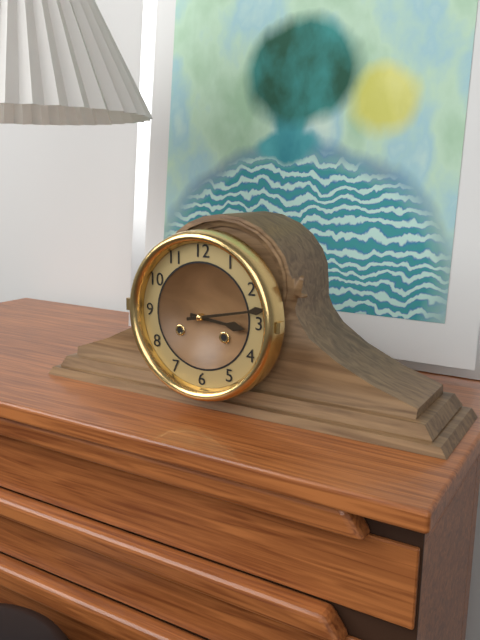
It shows 3:13
